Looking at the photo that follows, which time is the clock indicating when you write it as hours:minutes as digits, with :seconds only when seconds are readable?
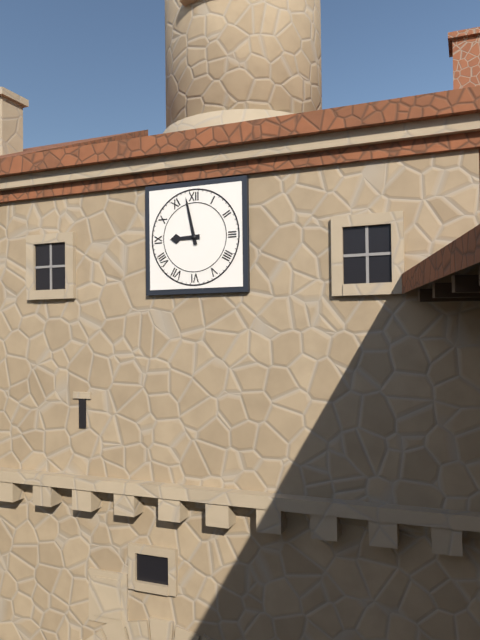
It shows 8:58
